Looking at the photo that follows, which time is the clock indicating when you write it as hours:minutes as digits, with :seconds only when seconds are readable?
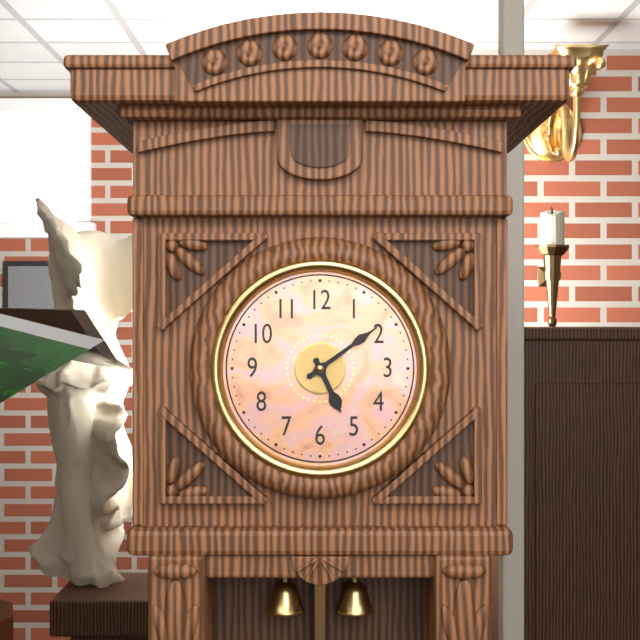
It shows 5:09
